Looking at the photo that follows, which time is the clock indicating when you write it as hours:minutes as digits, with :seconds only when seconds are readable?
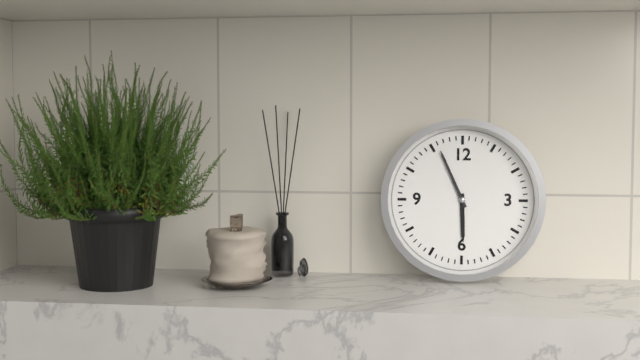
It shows 5:56
